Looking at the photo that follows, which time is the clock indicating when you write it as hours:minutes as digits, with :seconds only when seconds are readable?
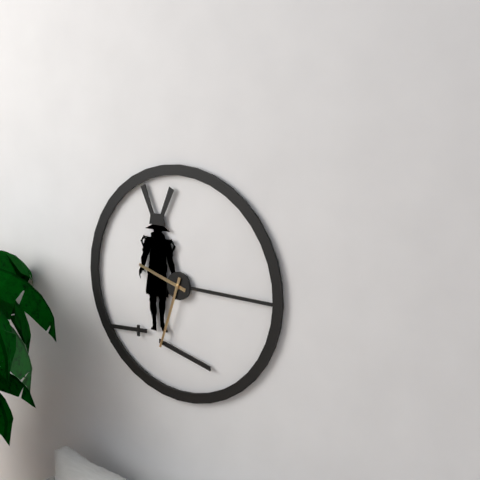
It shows 9:33
